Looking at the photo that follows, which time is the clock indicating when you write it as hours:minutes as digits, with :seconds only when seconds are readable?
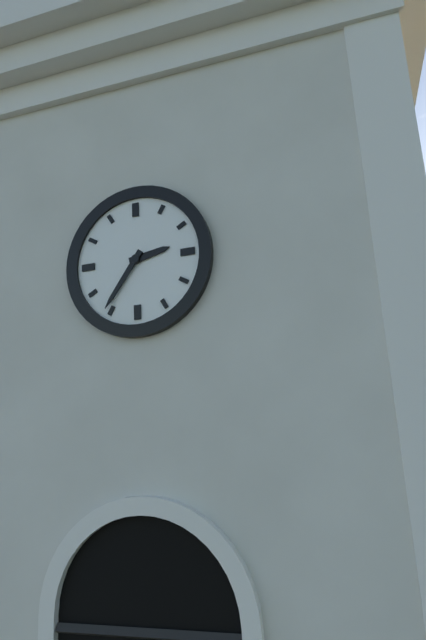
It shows 2:36
